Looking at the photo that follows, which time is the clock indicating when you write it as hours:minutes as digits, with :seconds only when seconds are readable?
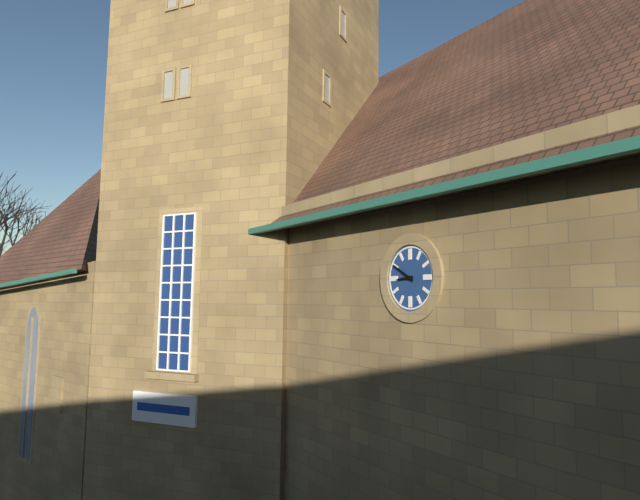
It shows 8:50
